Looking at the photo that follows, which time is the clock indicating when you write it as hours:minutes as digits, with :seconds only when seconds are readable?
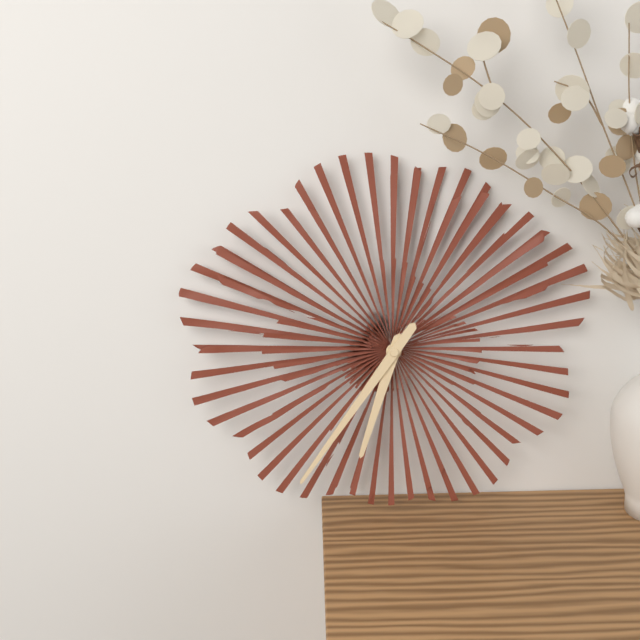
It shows 6:36
